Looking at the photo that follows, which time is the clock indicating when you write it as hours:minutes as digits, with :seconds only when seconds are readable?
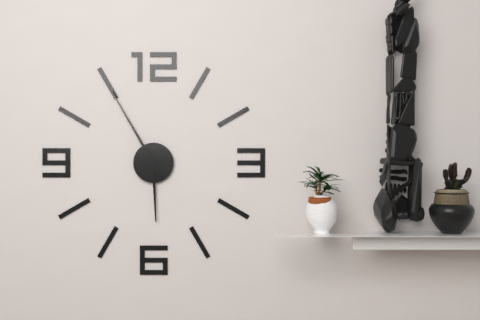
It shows 5:55
